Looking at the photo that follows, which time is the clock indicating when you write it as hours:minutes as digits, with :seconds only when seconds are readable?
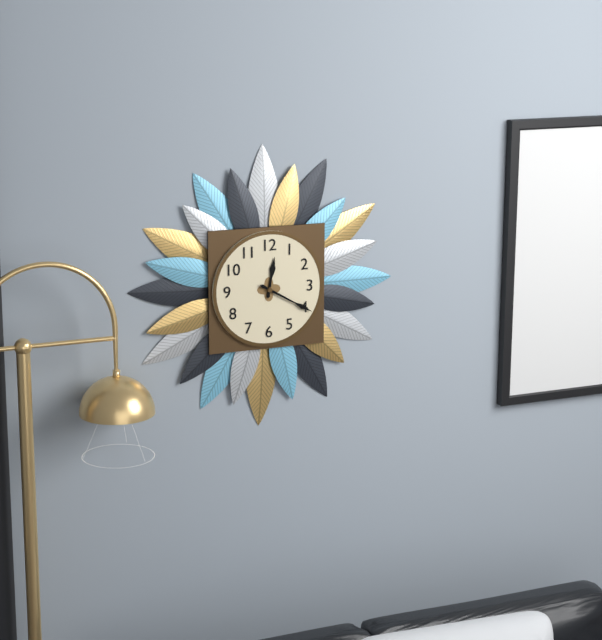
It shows 12:20
